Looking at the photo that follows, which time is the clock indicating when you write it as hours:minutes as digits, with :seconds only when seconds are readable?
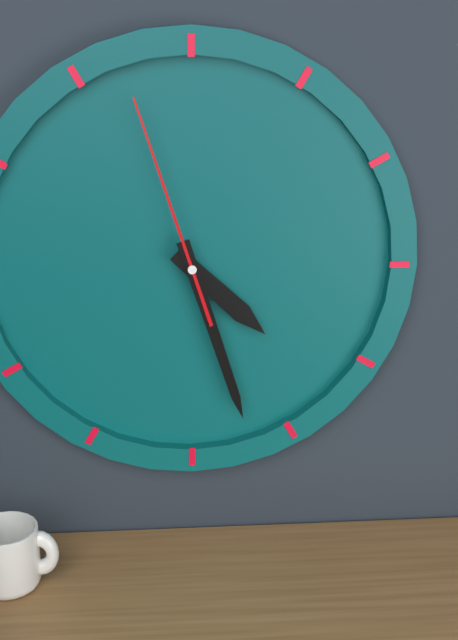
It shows 4:27:57
